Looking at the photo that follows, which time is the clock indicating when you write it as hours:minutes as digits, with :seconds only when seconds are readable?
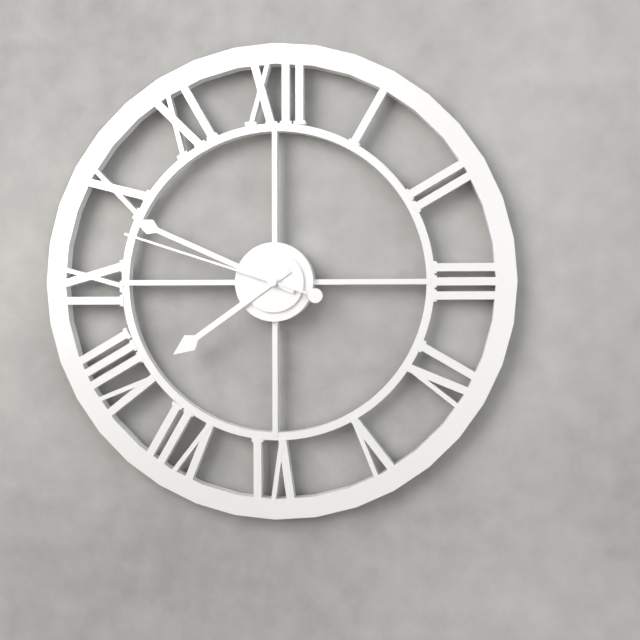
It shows 7:49:48
